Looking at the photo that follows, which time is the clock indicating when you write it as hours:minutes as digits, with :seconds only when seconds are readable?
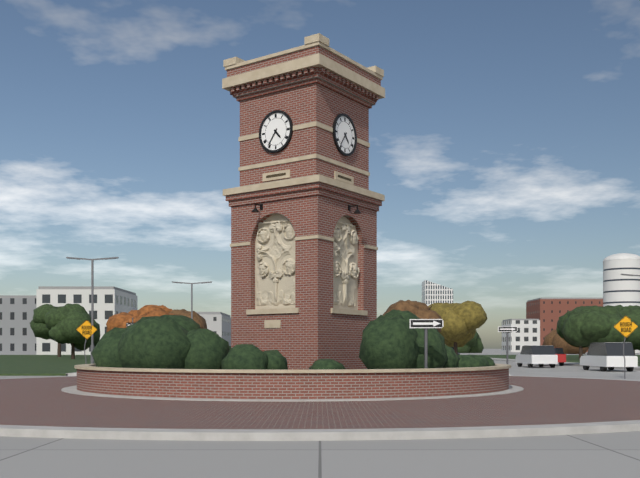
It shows 4:36
